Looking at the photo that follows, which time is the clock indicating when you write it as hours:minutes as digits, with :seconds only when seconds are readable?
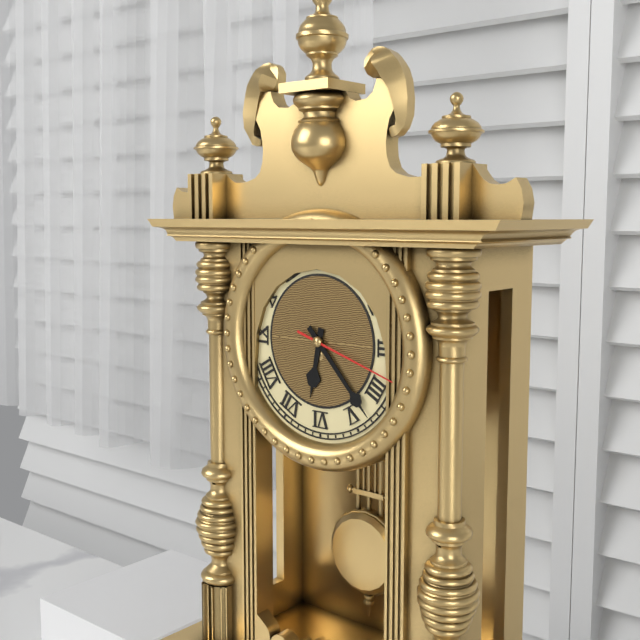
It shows 6:23:18
